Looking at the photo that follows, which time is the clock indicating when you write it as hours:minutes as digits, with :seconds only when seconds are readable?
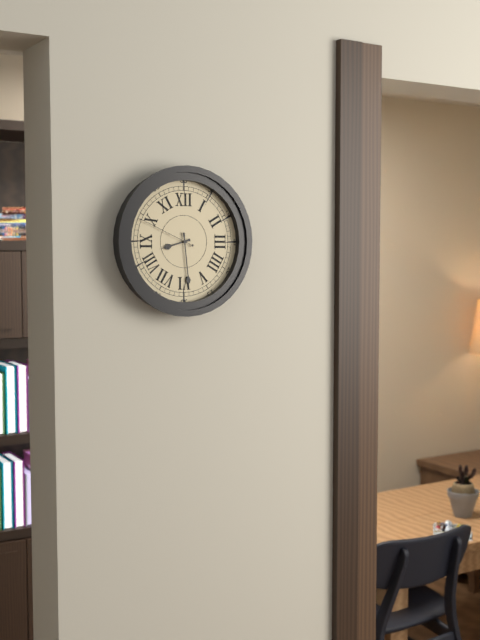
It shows 8:29:49
